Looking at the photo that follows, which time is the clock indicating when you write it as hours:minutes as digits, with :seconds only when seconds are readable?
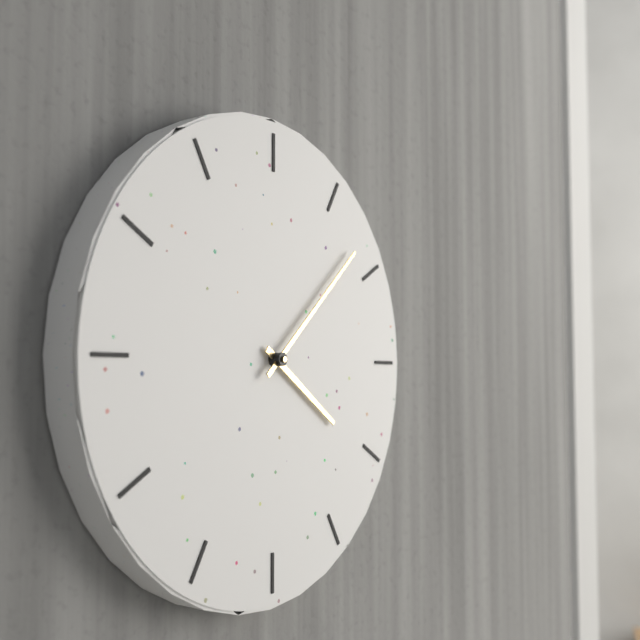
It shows 4:08
